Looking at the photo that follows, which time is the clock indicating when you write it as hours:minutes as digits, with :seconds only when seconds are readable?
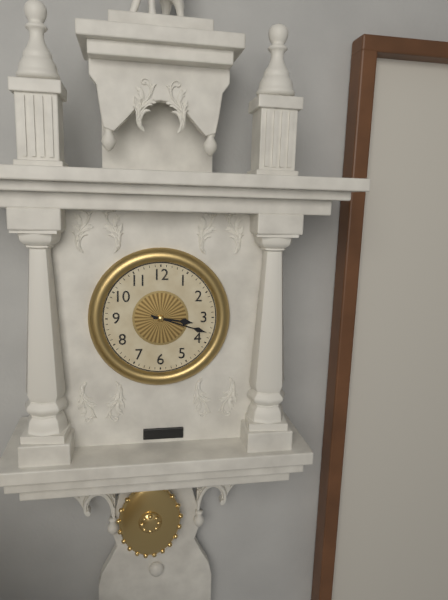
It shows 3:18
